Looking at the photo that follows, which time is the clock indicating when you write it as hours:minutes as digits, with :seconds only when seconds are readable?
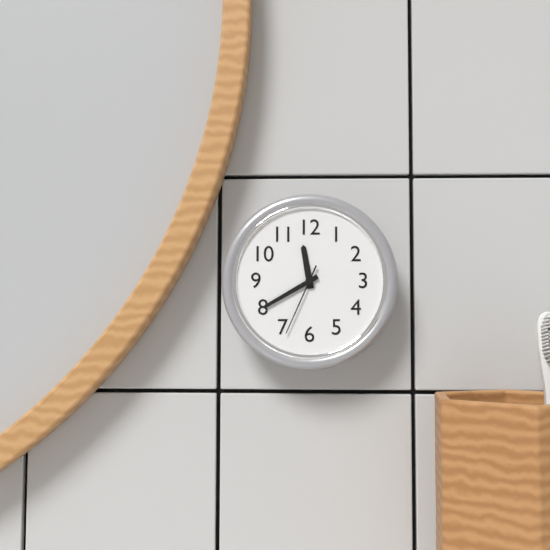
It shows 11:40:34
